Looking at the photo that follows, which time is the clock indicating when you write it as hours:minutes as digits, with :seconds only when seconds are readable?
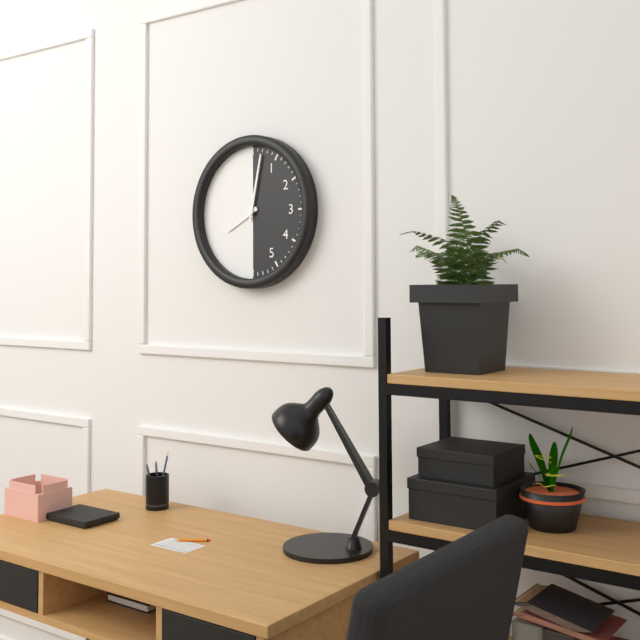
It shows 8:02
